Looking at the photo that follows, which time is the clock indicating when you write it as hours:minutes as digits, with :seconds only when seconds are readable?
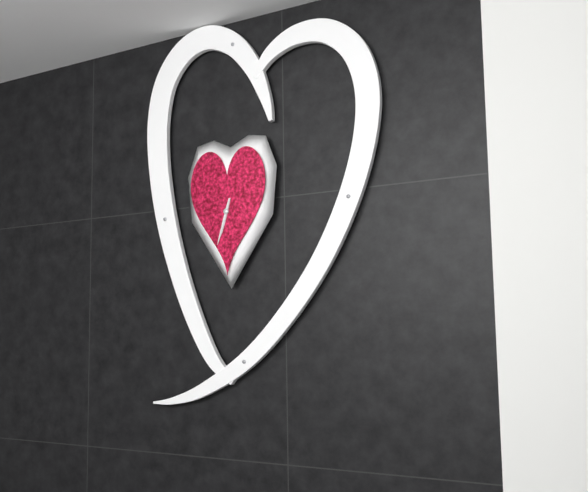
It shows 6:33
